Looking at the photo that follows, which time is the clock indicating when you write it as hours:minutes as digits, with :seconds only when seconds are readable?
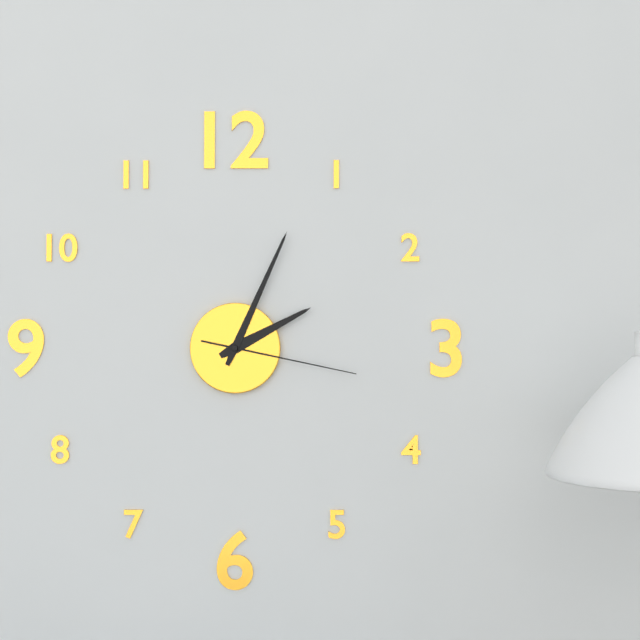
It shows 2:04:17
